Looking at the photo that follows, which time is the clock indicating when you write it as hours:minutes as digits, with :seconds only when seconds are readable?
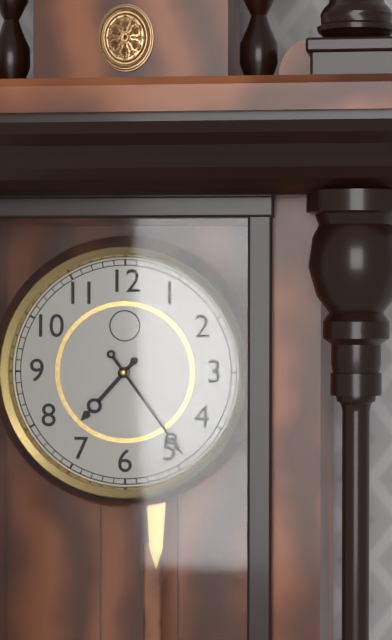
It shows 7:24
